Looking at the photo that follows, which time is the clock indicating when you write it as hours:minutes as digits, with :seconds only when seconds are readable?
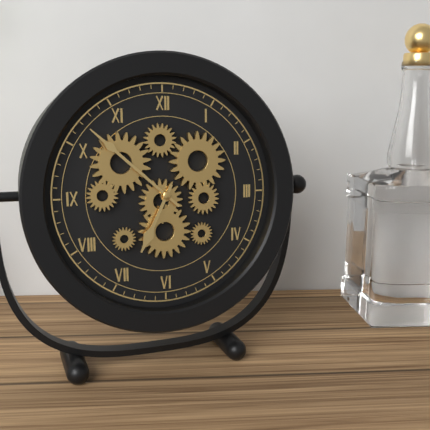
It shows 6:52
